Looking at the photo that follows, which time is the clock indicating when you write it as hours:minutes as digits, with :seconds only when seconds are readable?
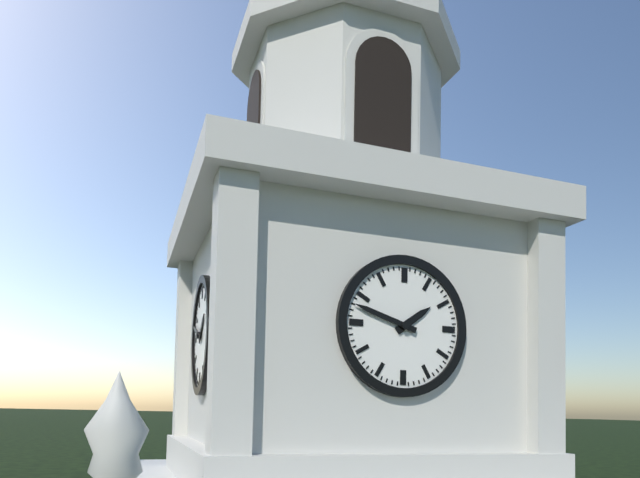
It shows 1:48
